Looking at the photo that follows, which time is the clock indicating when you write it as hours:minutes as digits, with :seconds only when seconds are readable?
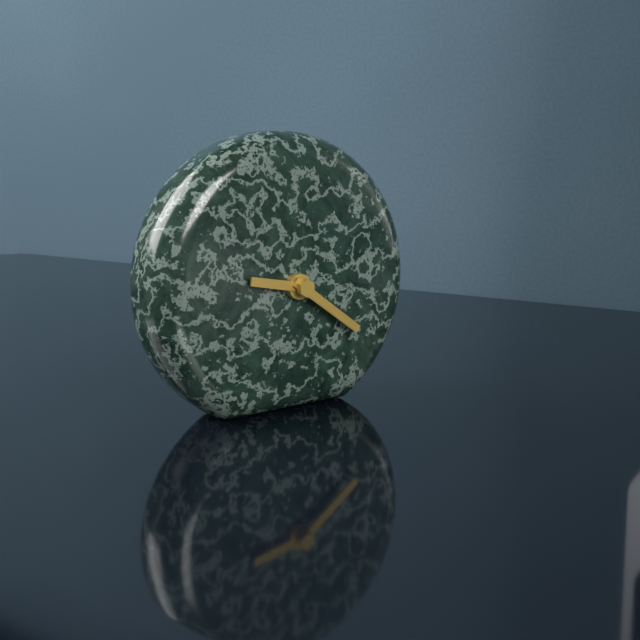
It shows 9:21
